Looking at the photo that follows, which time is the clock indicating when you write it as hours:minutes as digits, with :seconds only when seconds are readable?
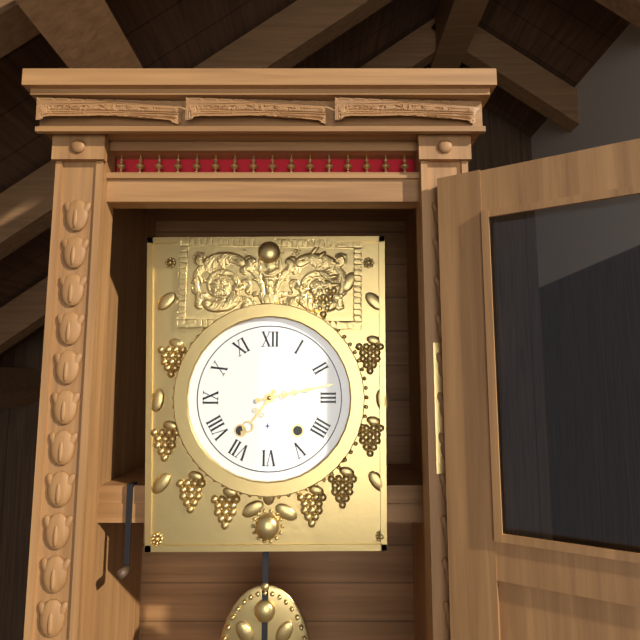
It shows 7:13
